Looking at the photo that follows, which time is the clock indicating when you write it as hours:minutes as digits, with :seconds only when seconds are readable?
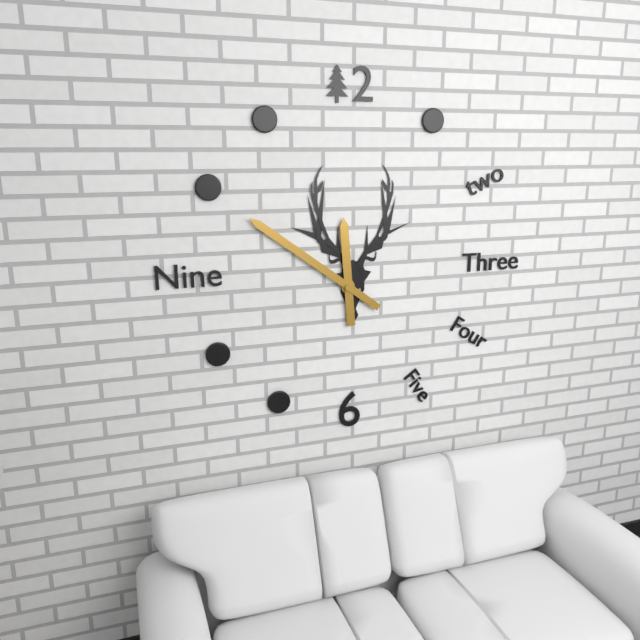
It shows 11:51
